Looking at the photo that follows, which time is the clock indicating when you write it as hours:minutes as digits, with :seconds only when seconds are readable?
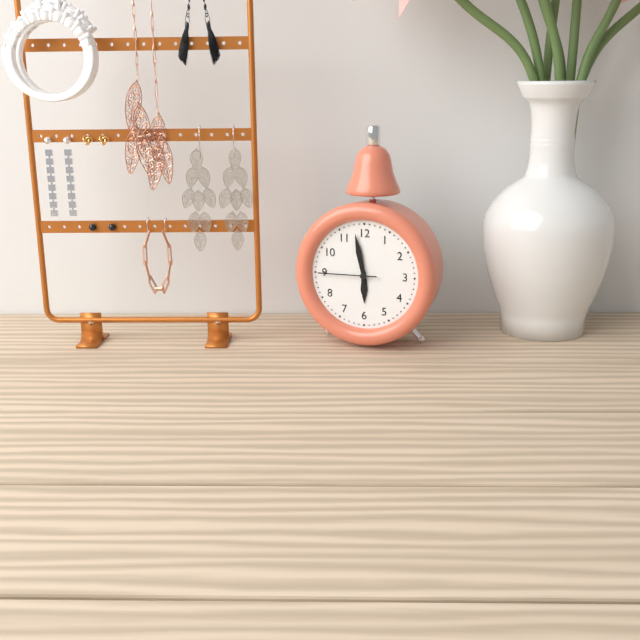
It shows 5:58:45
